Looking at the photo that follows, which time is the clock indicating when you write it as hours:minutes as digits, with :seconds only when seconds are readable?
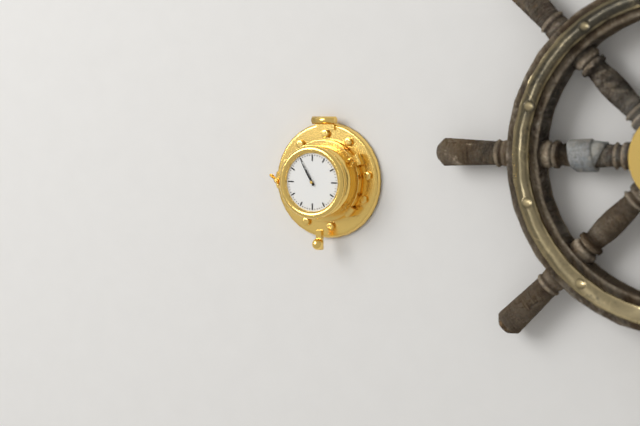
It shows 10:55
